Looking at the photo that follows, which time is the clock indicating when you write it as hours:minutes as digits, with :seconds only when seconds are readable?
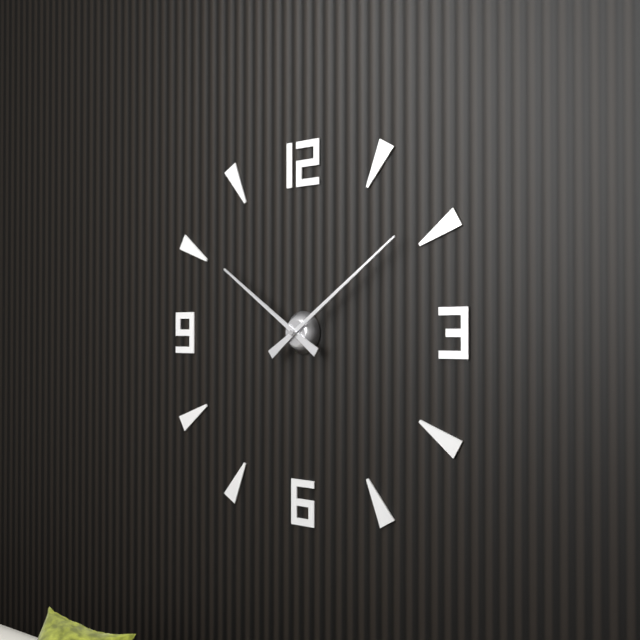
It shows 10:09
